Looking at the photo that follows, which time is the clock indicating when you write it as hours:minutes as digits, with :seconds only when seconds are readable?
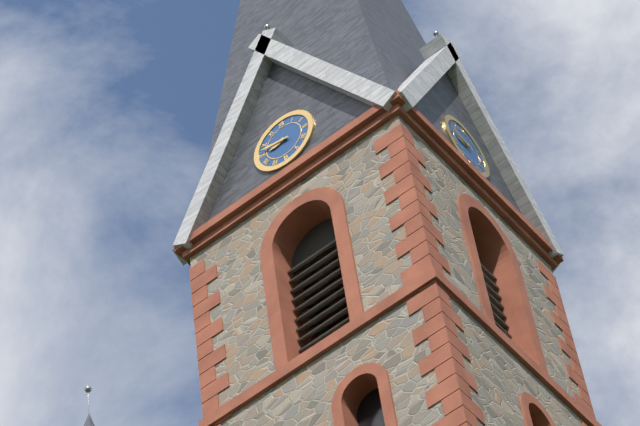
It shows 8:47
